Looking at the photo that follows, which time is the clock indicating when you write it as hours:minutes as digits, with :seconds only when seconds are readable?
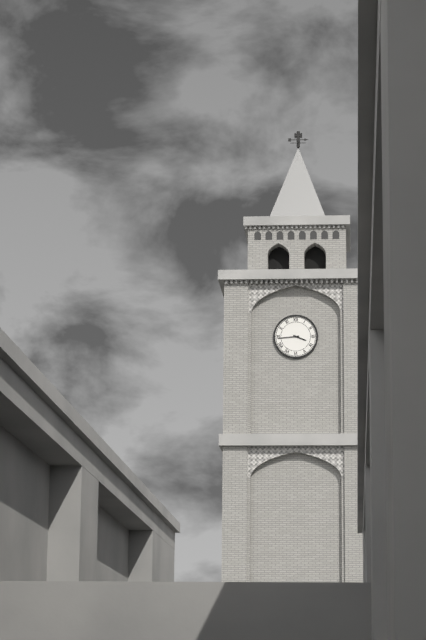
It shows 3:44
